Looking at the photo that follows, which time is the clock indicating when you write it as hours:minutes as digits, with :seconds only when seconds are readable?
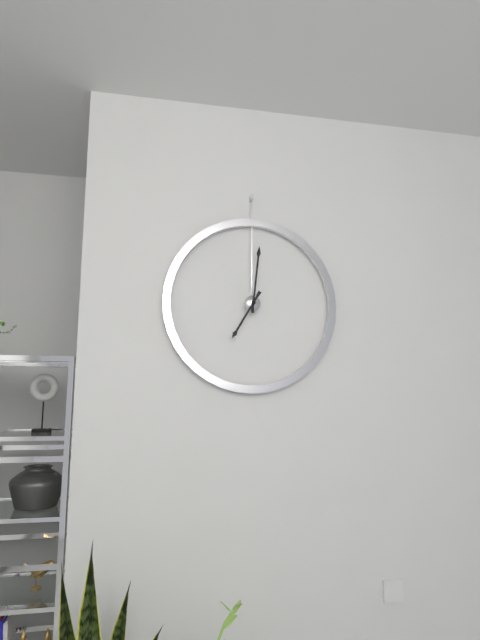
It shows 7:01
